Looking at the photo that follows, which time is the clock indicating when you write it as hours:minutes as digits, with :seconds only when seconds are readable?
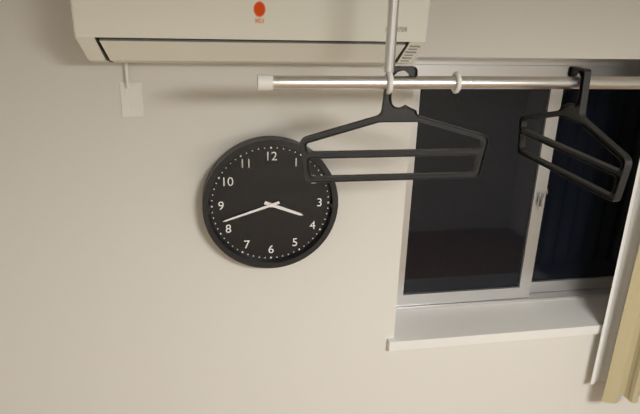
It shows 3:42
